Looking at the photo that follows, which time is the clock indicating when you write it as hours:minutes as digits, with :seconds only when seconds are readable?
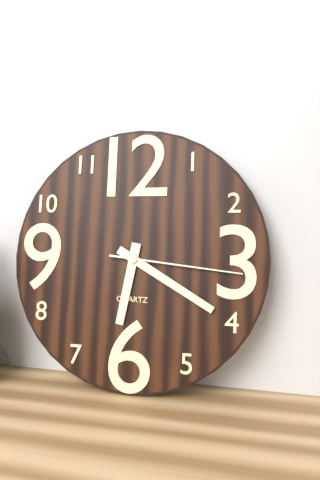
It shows 6:20:16
